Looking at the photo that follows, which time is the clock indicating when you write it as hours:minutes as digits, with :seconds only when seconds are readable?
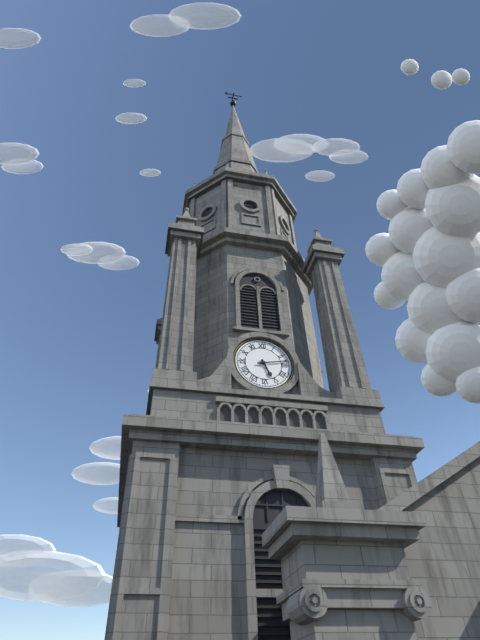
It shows 5:13
